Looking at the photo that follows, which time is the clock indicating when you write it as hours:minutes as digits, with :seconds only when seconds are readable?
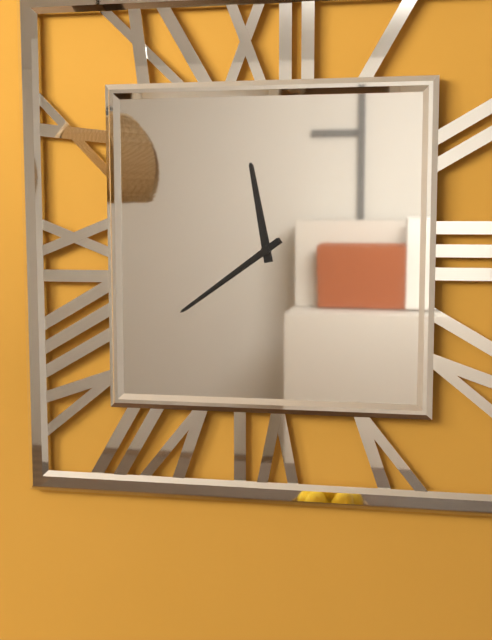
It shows 11:39
